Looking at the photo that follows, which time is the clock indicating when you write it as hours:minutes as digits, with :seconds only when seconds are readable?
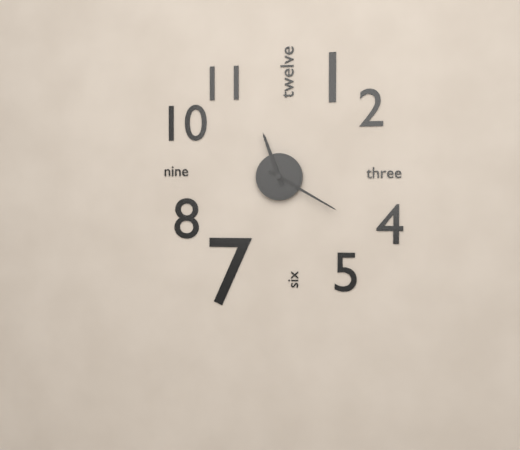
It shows 11:20
